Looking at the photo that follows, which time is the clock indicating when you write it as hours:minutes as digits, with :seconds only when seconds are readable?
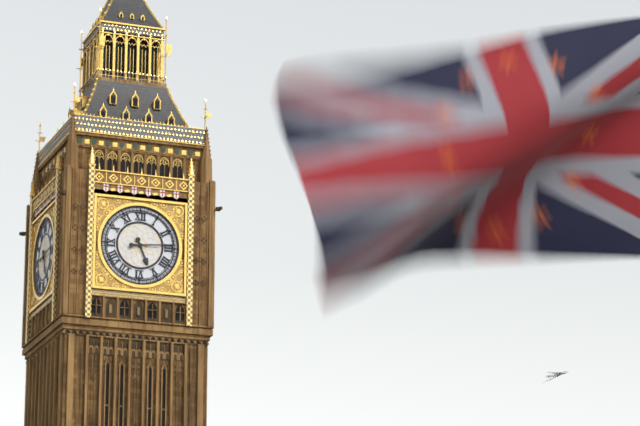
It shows 5:14
